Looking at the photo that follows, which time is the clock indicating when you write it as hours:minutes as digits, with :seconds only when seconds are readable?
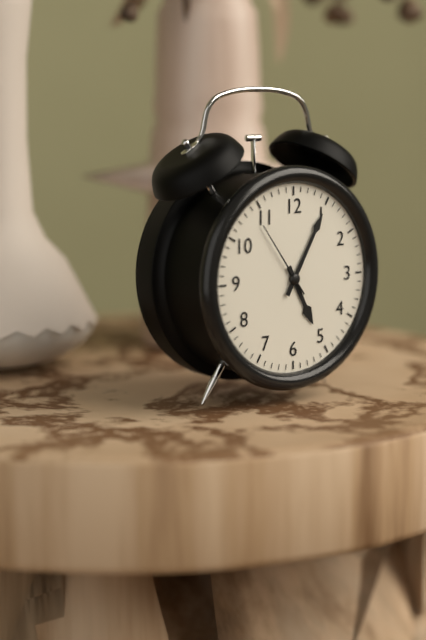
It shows 5:05:54
